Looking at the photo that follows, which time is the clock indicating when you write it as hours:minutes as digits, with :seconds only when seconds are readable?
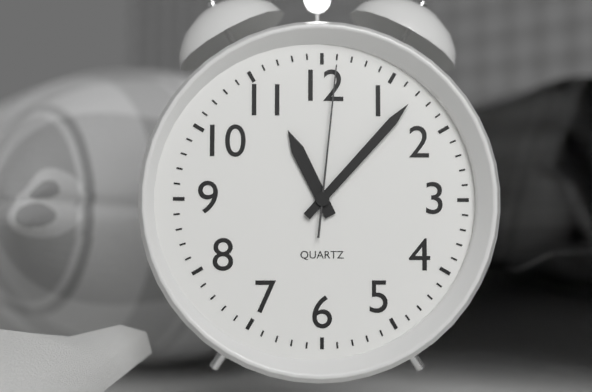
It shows 11:07:01
